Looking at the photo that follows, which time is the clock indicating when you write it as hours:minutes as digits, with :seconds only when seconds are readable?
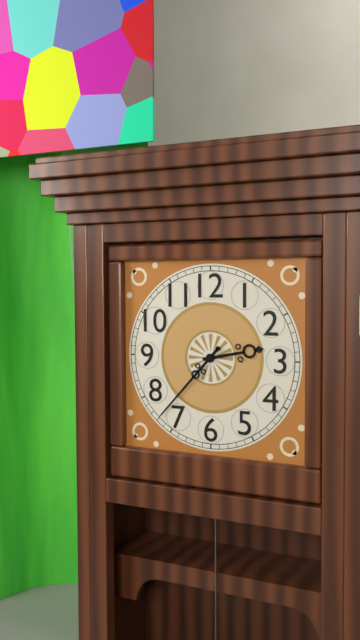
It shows 2:37
